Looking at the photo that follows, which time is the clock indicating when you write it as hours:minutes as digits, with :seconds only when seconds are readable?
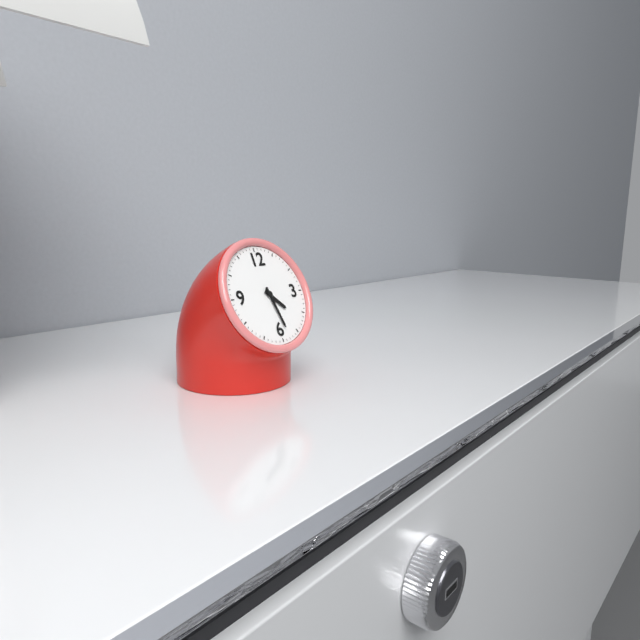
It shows 4:28
